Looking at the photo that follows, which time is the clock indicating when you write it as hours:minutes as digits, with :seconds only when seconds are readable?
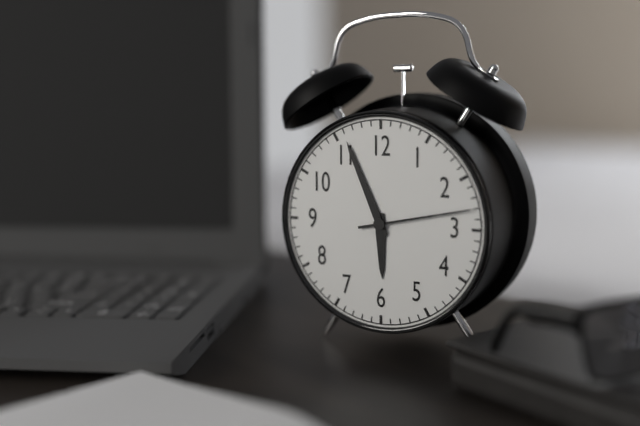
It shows 5:56:13
